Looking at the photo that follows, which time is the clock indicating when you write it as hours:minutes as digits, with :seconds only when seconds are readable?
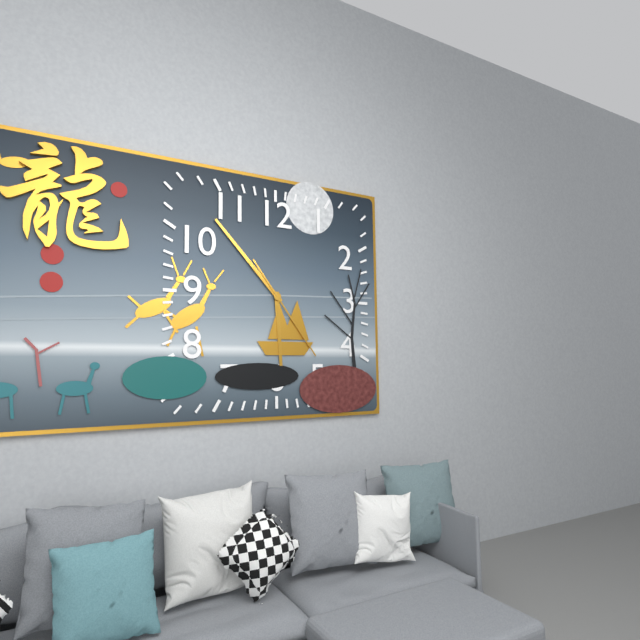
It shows 5:53:24
